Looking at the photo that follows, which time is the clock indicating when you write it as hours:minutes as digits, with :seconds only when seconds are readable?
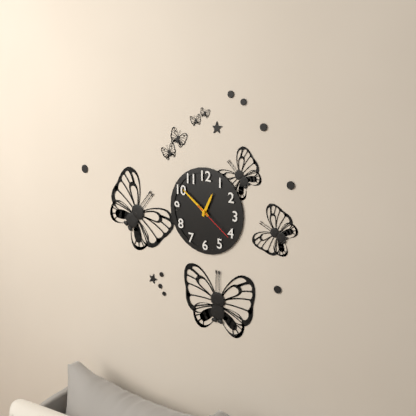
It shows 12:51
